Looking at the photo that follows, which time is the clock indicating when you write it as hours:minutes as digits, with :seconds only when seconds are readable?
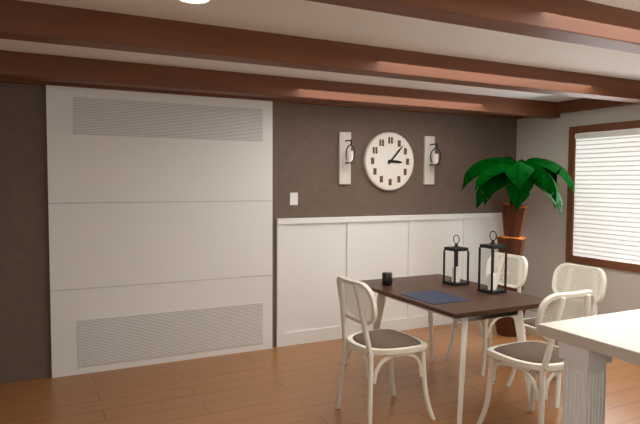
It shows 3:07
